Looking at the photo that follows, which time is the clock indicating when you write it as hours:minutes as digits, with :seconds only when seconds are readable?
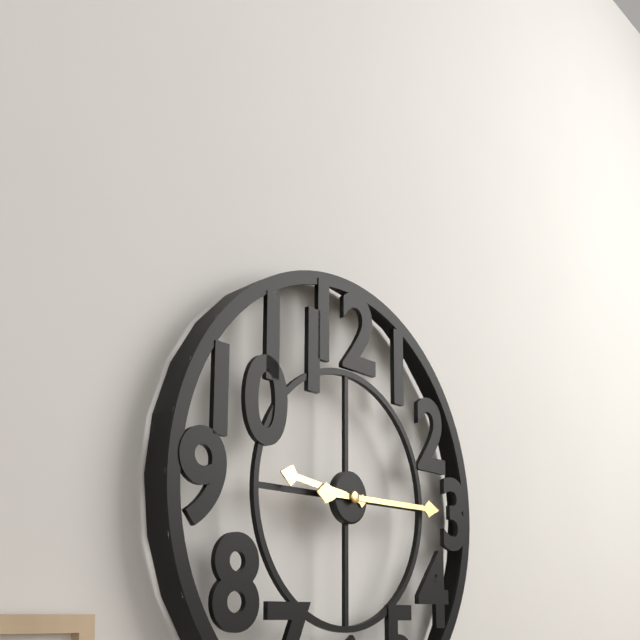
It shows 9:15
